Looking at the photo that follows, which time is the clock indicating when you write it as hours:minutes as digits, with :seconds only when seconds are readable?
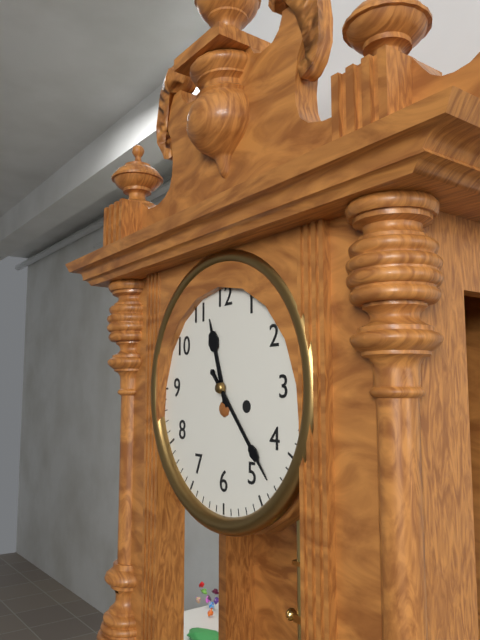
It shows 11:23
